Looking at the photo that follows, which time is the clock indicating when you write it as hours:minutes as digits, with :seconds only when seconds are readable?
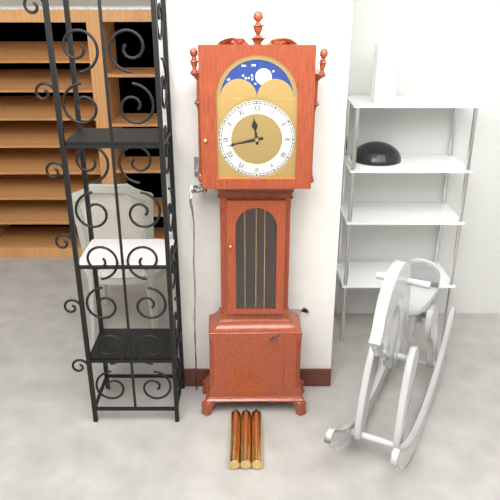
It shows 11:43
